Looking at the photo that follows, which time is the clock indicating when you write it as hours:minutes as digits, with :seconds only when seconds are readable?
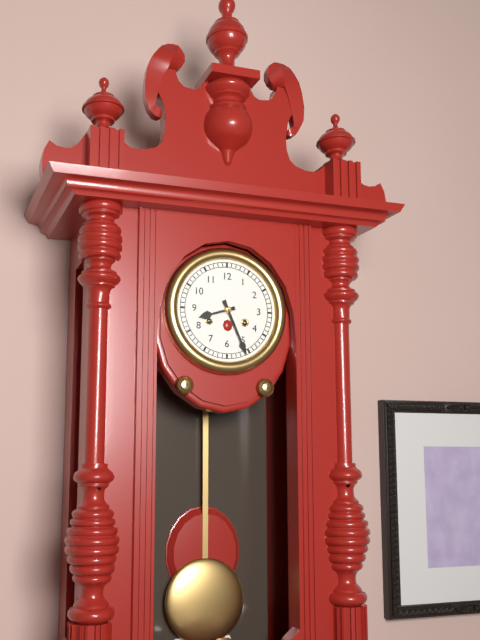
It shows 8:26
